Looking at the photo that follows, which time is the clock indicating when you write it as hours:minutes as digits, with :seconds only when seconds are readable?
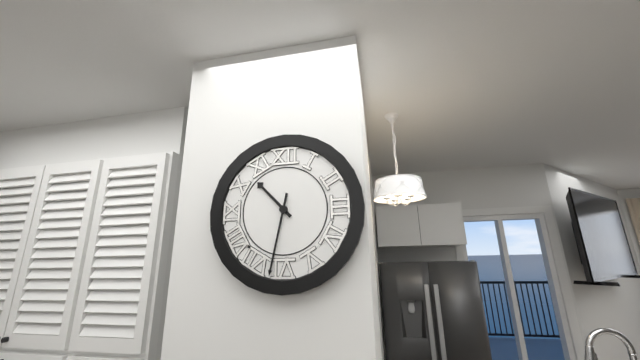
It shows 10:32
